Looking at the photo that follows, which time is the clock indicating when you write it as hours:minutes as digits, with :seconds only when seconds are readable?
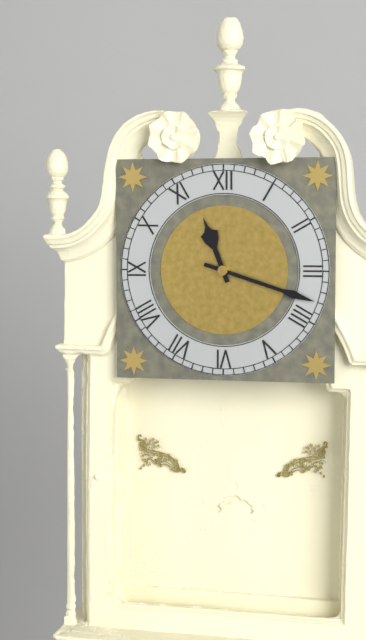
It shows 11:18
